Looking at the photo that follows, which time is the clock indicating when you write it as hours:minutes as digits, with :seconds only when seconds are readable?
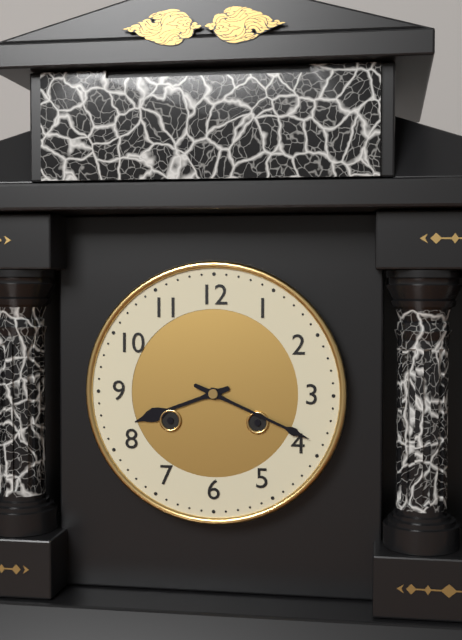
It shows 8:19
